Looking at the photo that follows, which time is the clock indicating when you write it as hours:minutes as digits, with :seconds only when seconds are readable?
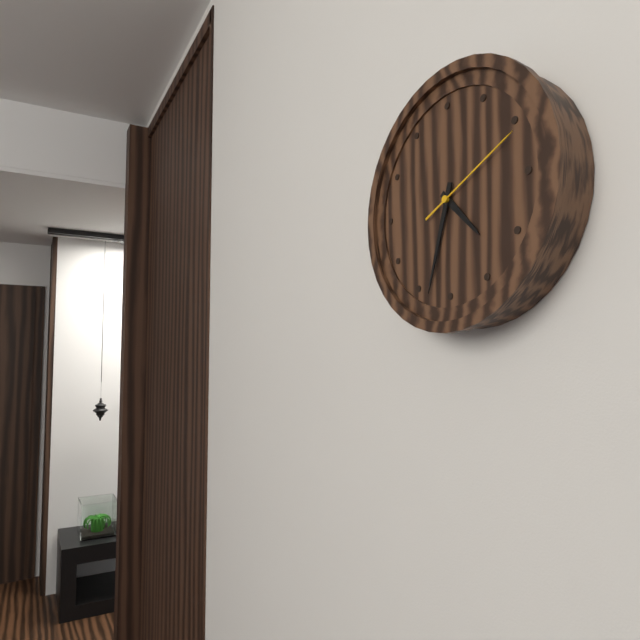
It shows 4:33:11
